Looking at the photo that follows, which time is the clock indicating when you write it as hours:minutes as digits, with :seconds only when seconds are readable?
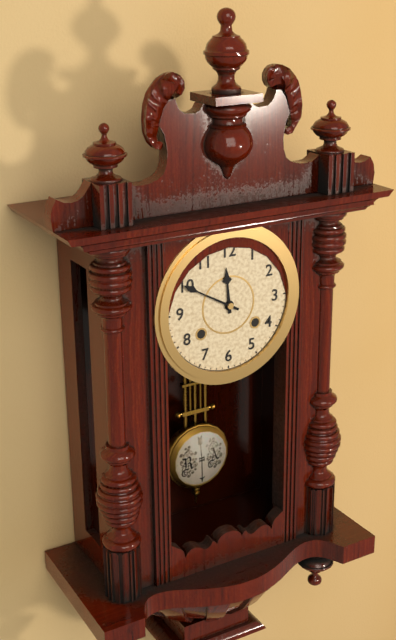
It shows 11:50
